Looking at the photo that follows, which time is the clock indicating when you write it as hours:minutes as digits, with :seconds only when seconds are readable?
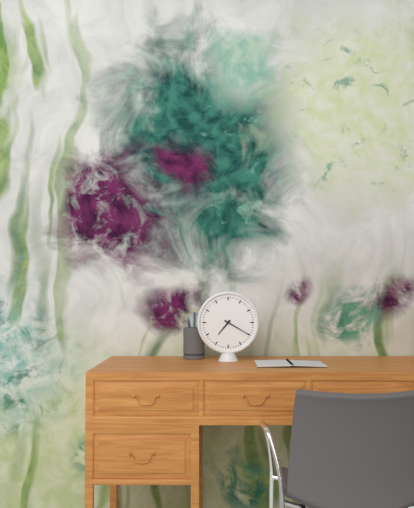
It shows 7:20
